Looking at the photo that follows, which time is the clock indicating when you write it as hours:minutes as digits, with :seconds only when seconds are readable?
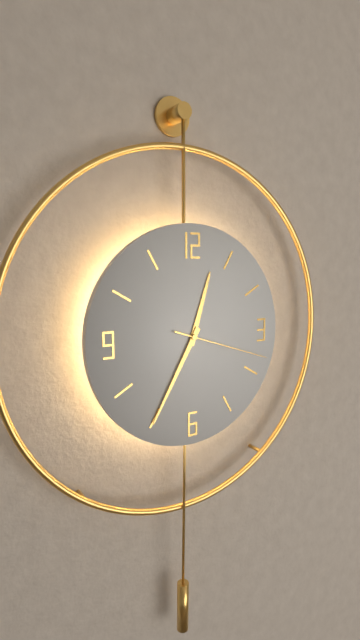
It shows 12:35:18
